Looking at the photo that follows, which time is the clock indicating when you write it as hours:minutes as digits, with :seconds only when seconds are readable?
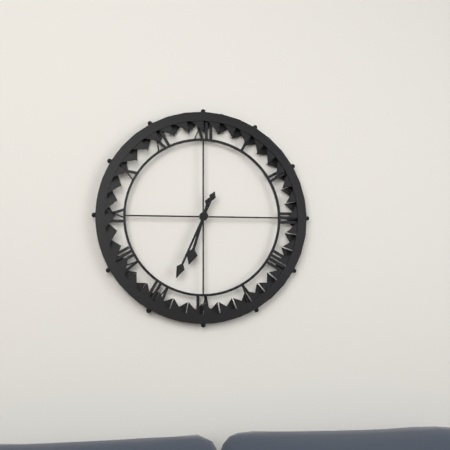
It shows 6:34
